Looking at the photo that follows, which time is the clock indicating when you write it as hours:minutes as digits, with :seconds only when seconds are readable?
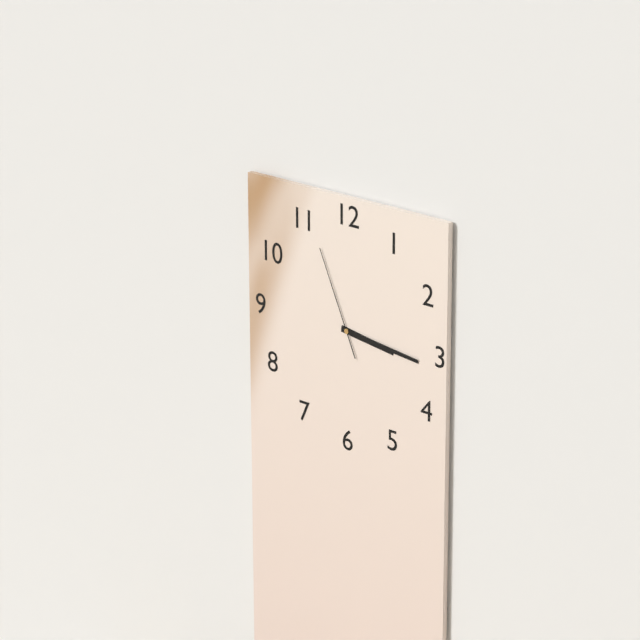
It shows 3:16:56
